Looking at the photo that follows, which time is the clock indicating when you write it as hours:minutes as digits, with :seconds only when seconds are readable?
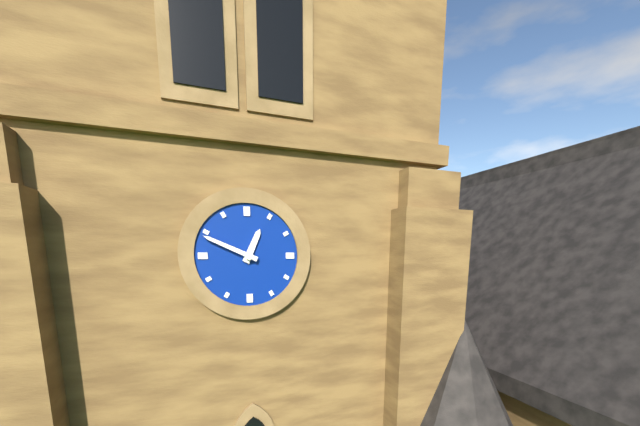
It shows 12:49
